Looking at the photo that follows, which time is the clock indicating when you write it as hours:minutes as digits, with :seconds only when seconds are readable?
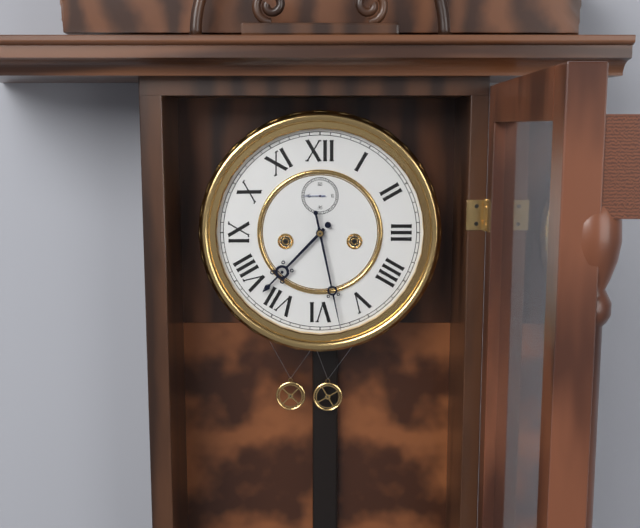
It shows 7:28
